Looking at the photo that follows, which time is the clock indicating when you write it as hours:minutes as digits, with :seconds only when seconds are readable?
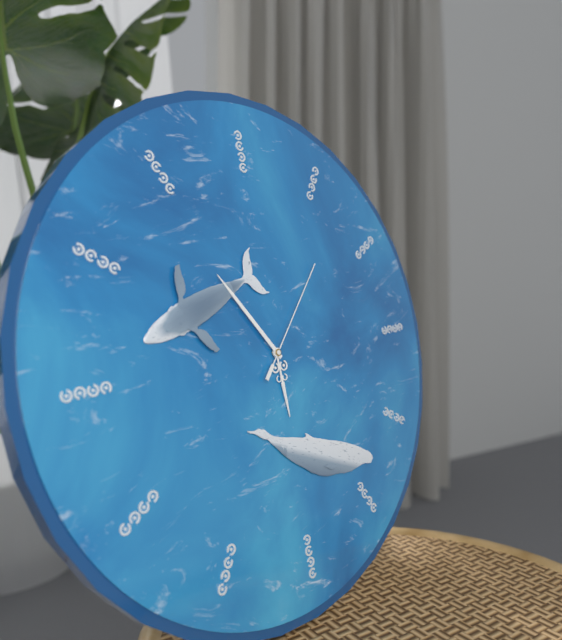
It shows 5:54:07
